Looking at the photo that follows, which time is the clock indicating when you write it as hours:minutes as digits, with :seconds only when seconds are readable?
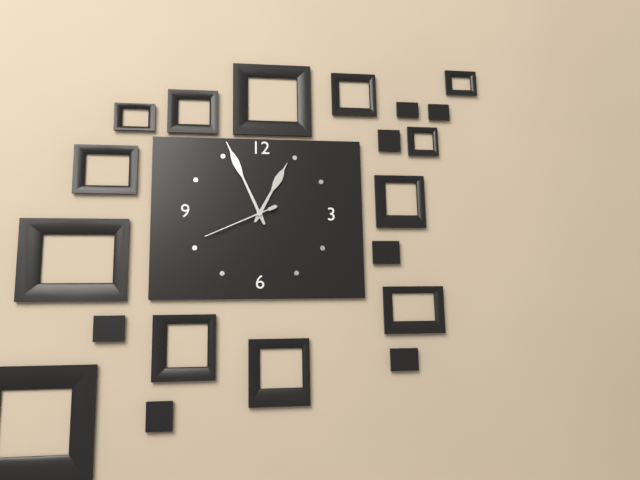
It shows 12:56:41
